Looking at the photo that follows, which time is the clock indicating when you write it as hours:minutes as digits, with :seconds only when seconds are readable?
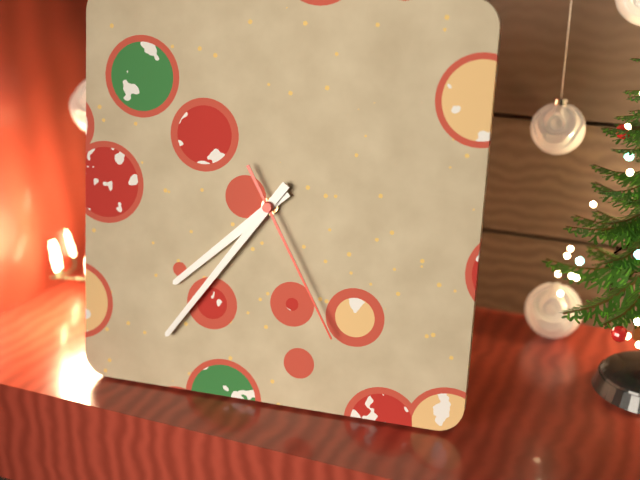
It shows 7:36:25
